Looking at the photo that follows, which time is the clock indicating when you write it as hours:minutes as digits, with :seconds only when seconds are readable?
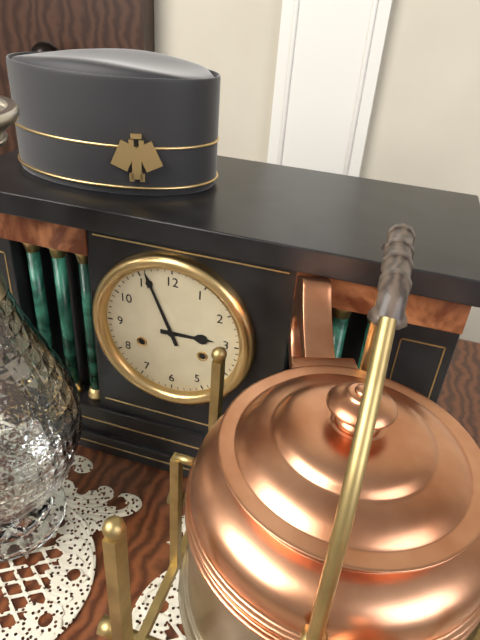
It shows 2:56
